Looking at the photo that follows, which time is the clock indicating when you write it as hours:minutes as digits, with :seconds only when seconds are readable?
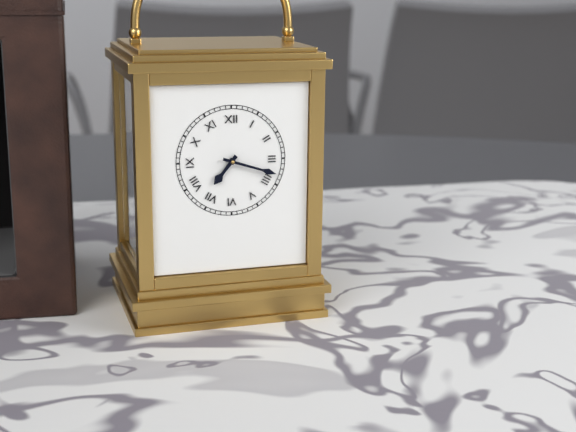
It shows 7:18
